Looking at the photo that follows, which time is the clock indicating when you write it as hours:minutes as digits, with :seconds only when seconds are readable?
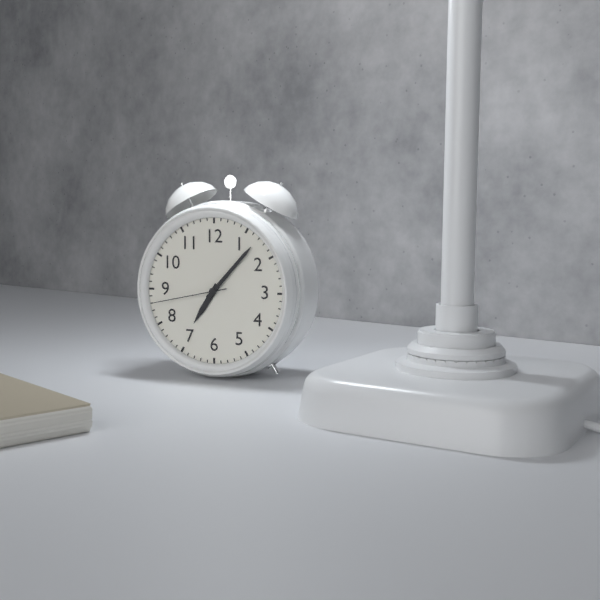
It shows 7:07:43
